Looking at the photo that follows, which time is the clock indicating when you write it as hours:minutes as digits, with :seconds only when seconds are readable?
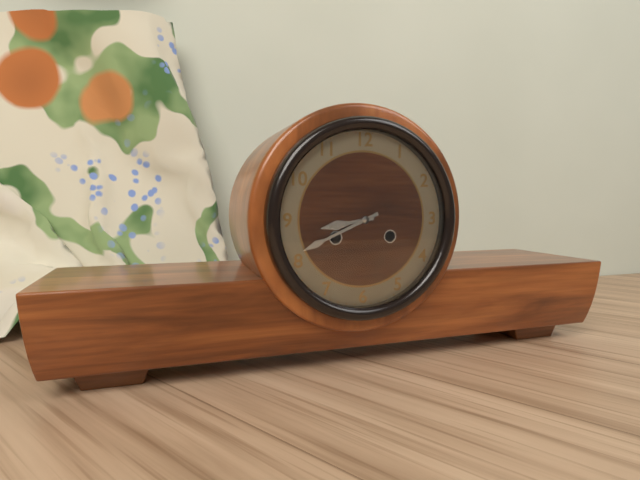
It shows 8:41
